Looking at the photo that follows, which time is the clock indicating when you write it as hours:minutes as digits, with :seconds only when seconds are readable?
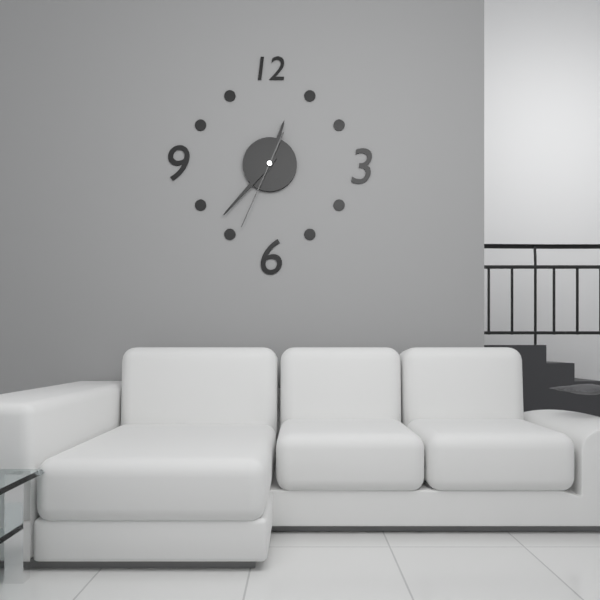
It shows 12:37:34
